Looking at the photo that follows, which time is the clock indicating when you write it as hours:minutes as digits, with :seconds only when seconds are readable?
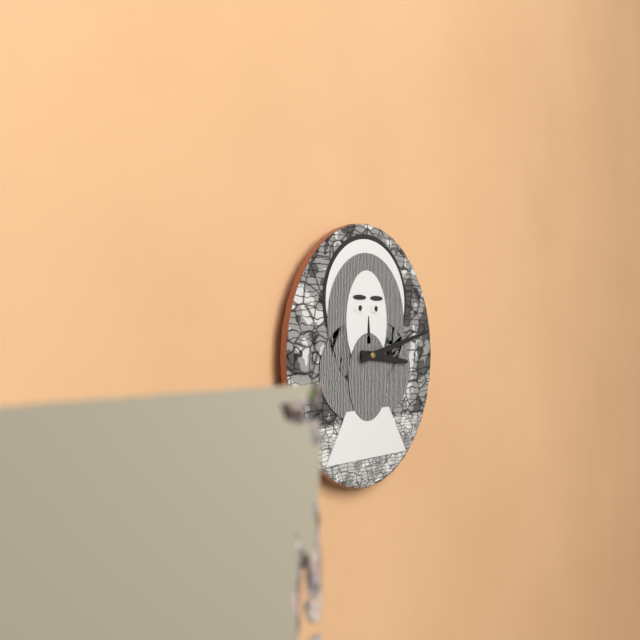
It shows 3:13
